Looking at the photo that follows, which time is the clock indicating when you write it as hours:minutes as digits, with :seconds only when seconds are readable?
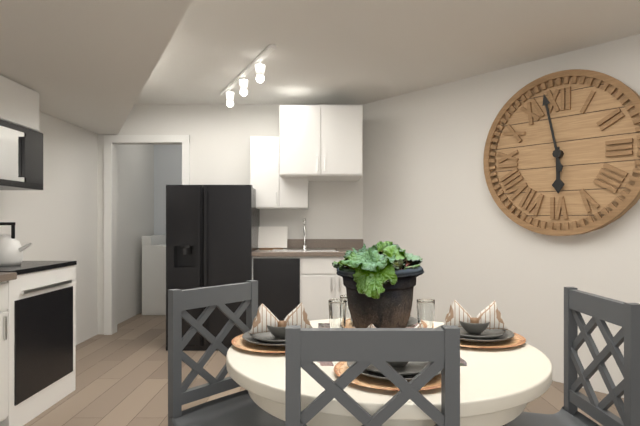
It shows 5:58
